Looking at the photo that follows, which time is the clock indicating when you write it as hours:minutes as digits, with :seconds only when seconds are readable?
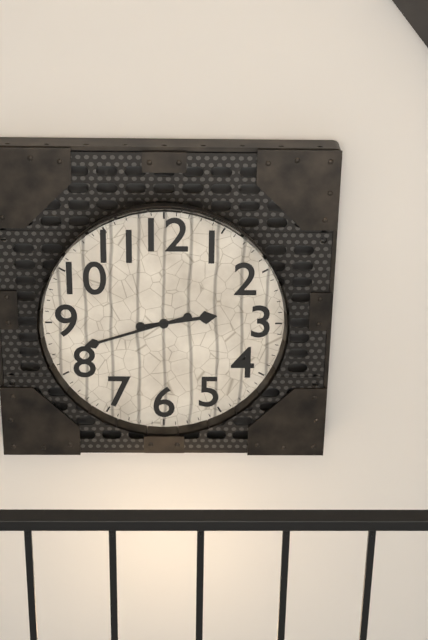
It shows 2:42
